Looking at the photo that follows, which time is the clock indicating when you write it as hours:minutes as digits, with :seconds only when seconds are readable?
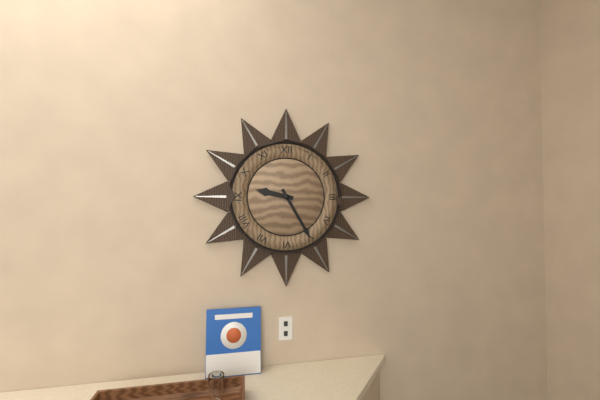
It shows 9:25
